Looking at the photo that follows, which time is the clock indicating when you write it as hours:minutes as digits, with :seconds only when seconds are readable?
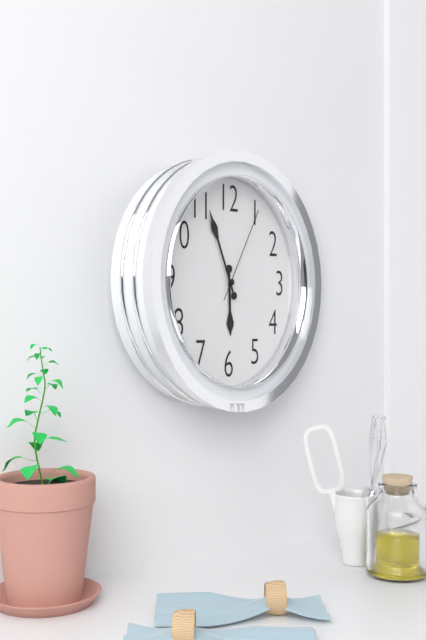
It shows 5:56:05
